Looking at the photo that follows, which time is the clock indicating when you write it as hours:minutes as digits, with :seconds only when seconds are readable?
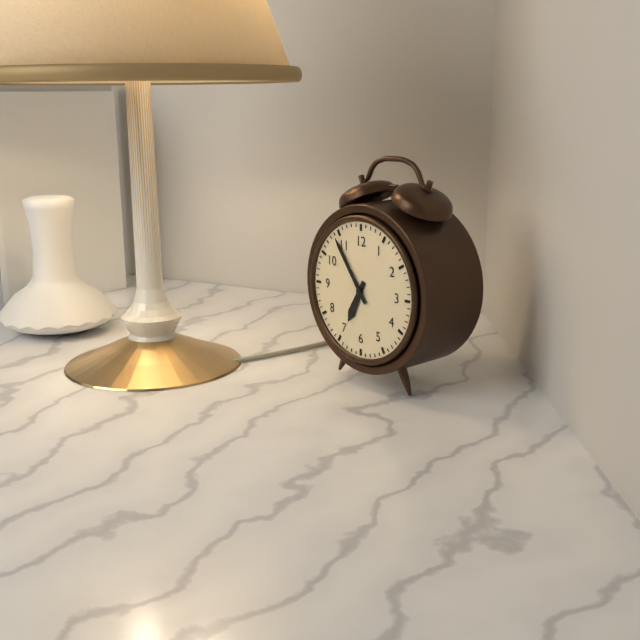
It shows 6:54
